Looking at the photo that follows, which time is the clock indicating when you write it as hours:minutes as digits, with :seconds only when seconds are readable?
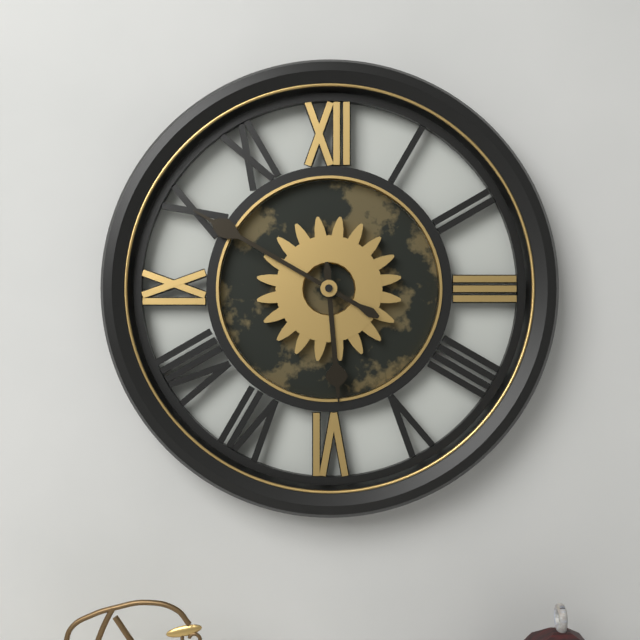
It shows 5:50
